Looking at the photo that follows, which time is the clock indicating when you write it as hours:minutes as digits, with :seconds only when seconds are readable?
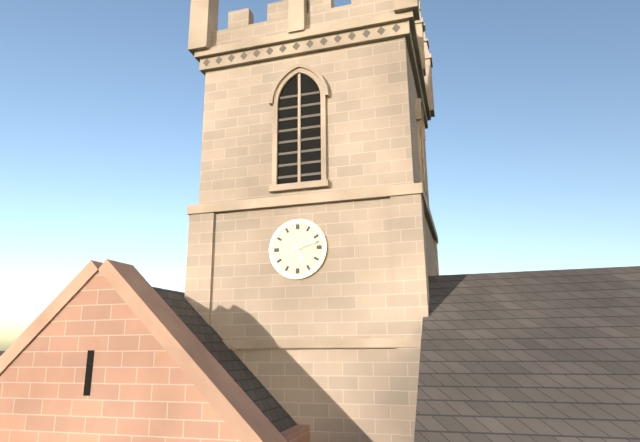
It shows 5:12
